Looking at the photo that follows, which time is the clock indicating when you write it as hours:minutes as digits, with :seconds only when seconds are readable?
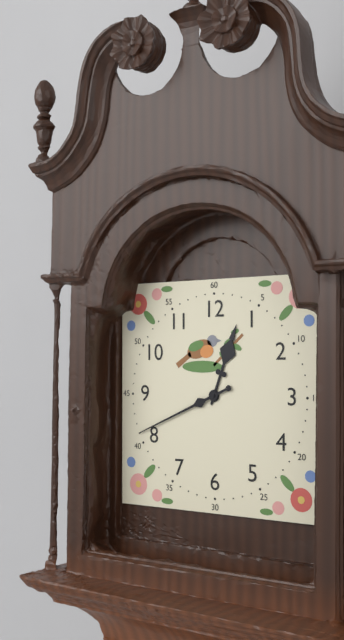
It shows 12:41
